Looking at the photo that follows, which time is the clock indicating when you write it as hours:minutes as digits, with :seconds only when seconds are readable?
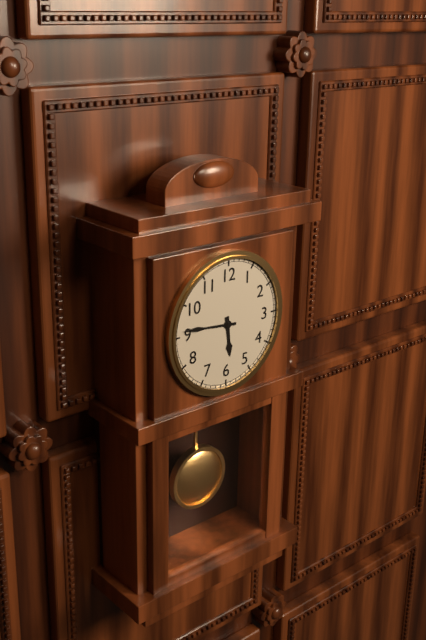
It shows 5:46
